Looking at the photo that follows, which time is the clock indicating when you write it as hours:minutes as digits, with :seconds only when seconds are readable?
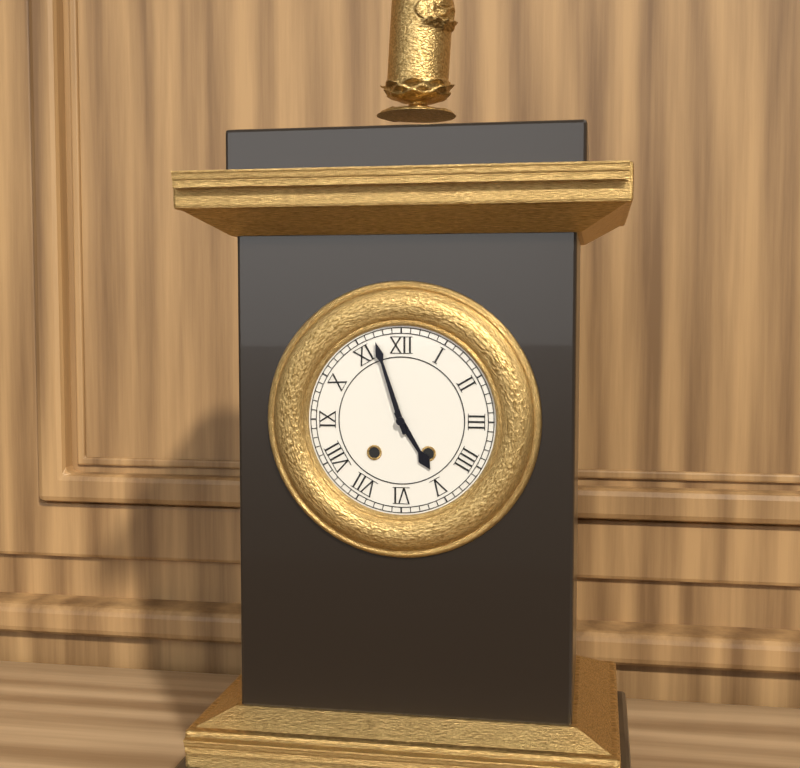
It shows 4:57
